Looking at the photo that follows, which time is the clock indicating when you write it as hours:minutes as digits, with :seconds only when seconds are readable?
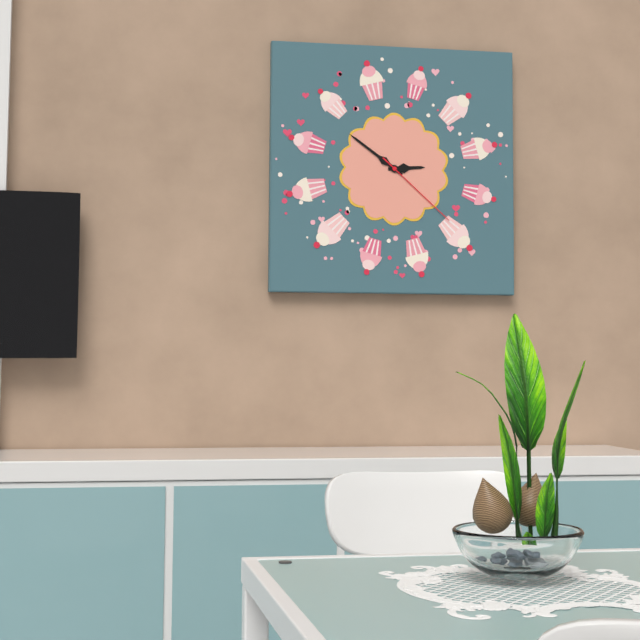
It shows 2:51:22
